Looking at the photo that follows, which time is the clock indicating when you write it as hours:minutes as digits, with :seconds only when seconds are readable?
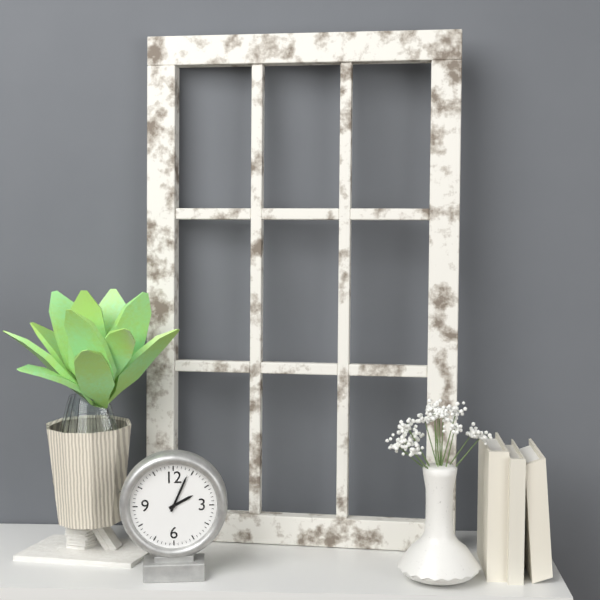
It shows 2:04
